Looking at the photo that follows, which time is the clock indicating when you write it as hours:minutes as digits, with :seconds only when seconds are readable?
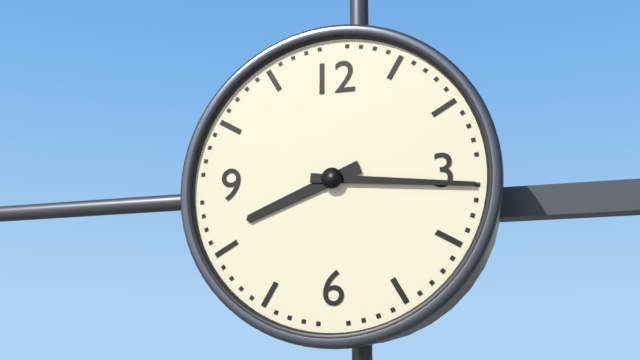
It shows 8:16
